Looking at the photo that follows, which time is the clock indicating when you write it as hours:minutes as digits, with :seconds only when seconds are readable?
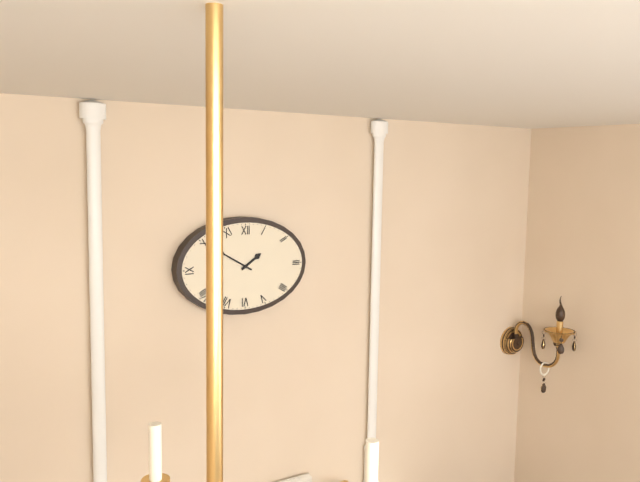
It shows 1:50
